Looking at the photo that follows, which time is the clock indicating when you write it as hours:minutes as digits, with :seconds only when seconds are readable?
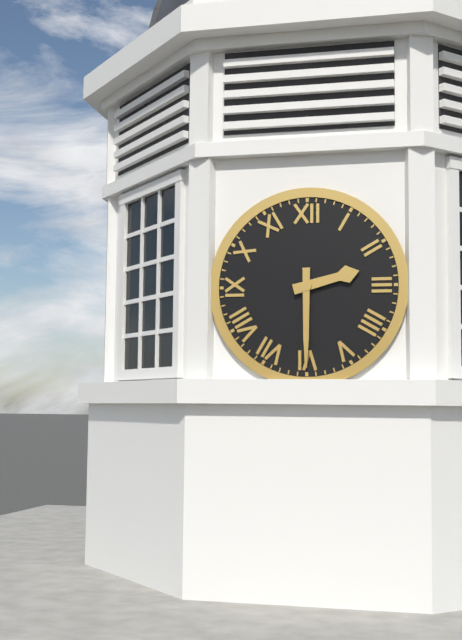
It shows 2:30
